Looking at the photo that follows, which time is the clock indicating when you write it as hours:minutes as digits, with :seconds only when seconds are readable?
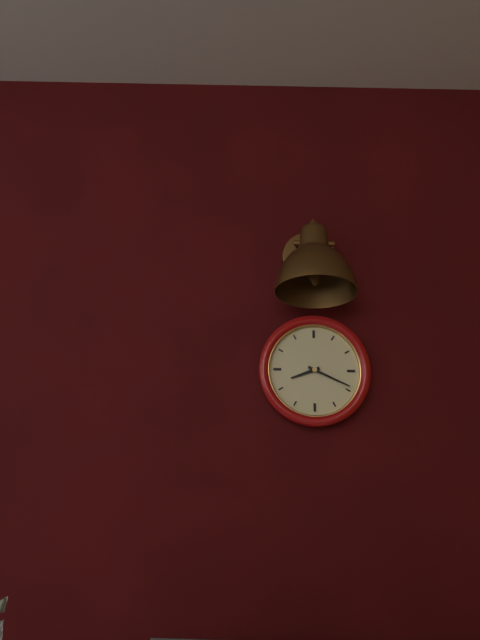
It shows 8:19
